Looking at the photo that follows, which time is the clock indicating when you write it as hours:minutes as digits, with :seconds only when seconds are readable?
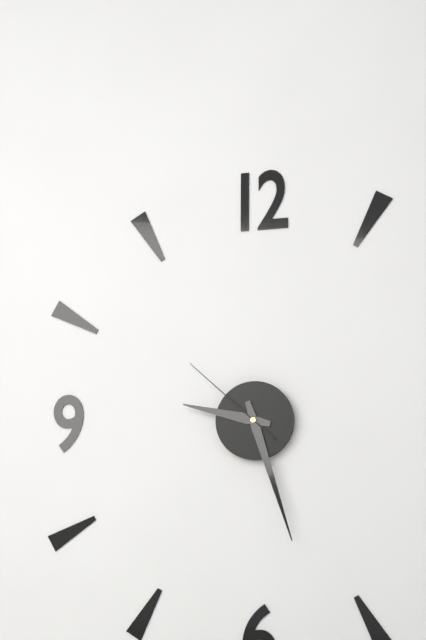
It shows 9:27:52
